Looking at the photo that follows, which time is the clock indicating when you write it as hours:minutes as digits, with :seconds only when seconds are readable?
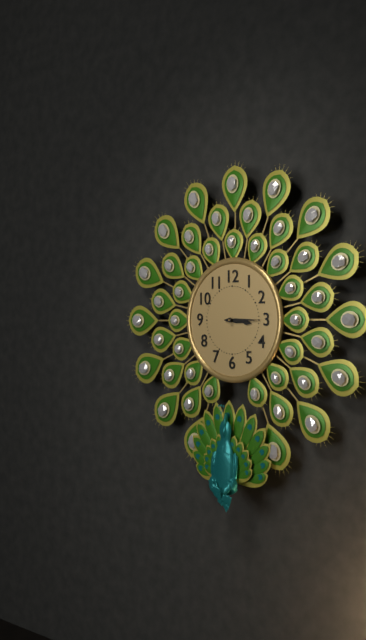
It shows 3:15
